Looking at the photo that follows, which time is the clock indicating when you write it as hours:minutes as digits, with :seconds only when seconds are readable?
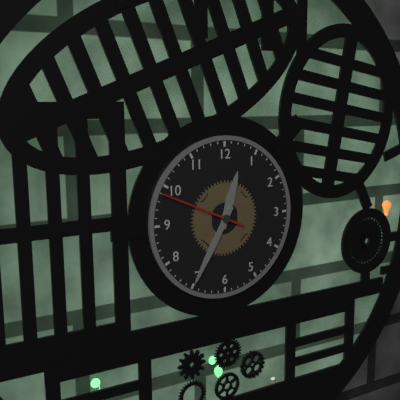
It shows 12:35:49
